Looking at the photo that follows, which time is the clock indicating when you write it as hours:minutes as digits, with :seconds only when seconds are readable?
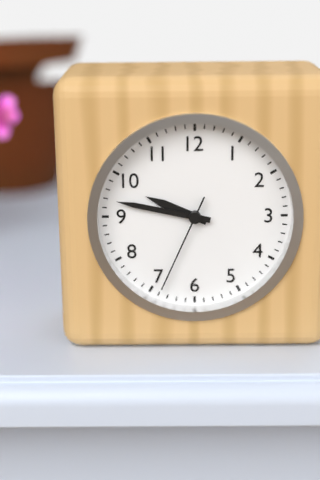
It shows 9:47:34
